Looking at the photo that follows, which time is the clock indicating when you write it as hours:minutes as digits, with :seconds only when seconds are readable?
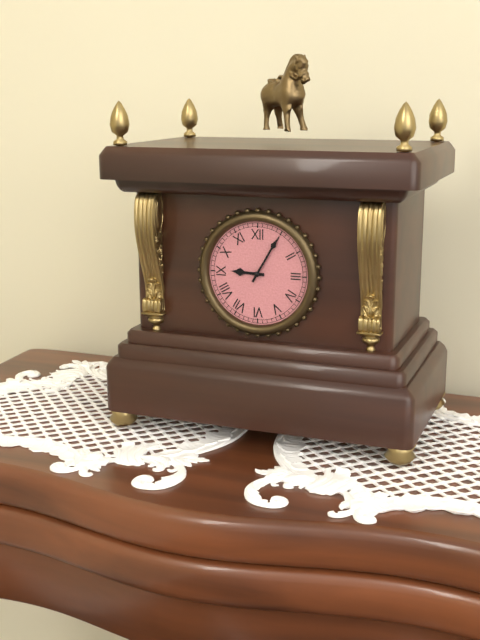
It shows 9:05
